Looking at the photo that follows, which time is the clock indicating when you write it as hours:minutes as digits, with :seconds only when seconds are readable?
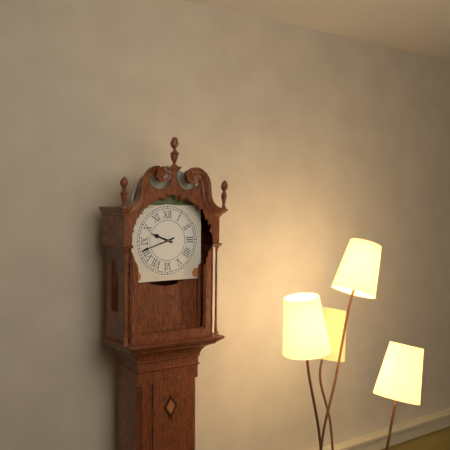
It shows 9:42
